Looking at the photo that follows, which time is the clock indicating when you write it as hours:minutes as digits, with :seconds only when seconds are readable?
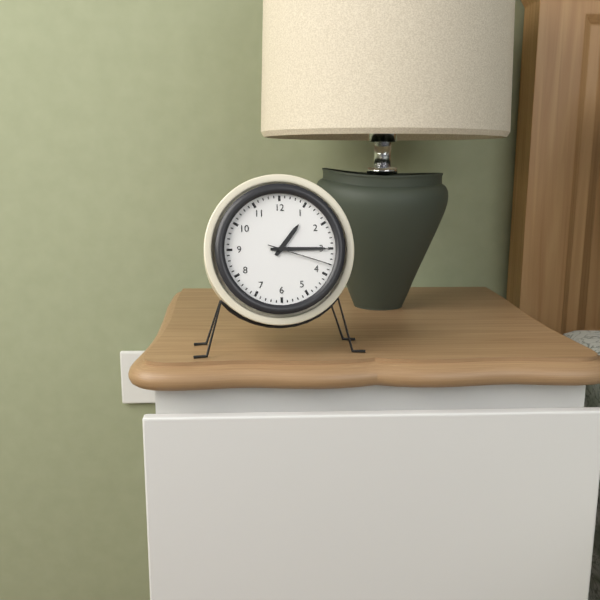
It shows 1:15:18
